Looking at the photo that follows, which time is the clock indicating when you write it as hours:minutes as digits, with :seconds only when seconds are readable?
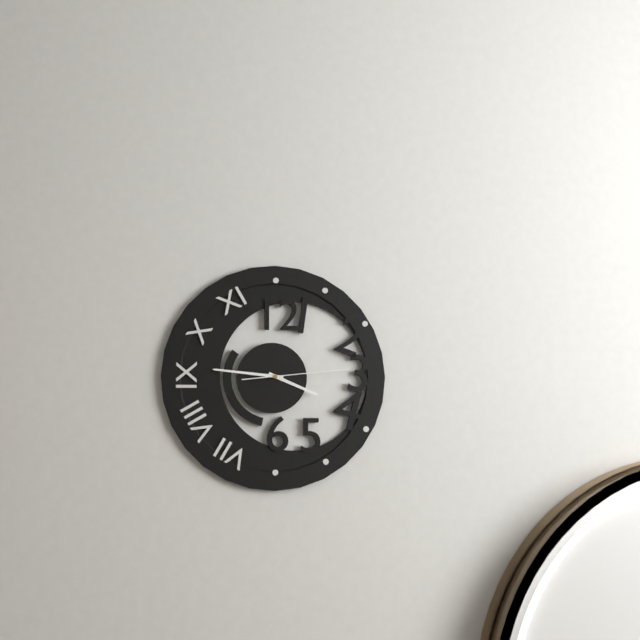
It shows 3:46:14
